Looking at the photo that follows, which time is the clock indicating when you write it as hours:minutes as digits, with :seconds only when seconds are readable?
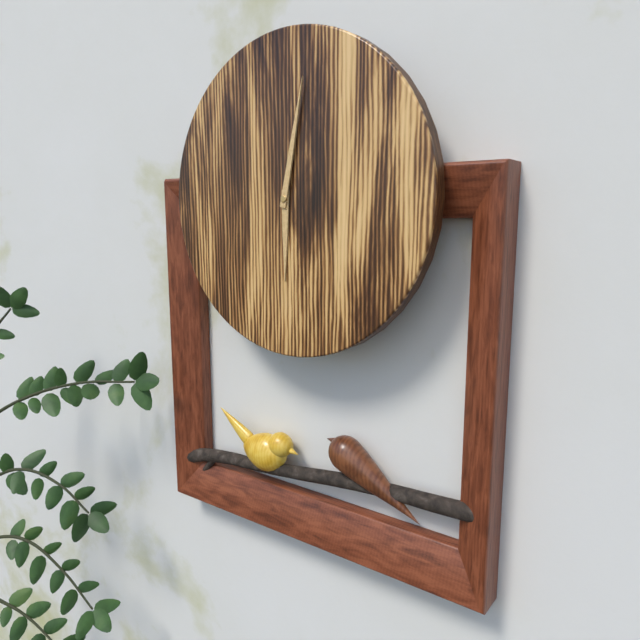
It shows 6:02
